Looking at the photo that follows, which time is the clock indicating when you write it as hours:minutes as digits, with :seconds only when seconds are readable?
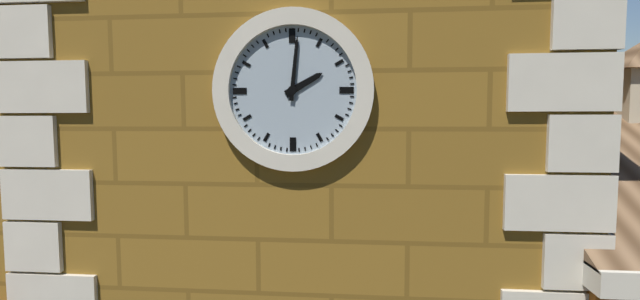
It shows 2:01
